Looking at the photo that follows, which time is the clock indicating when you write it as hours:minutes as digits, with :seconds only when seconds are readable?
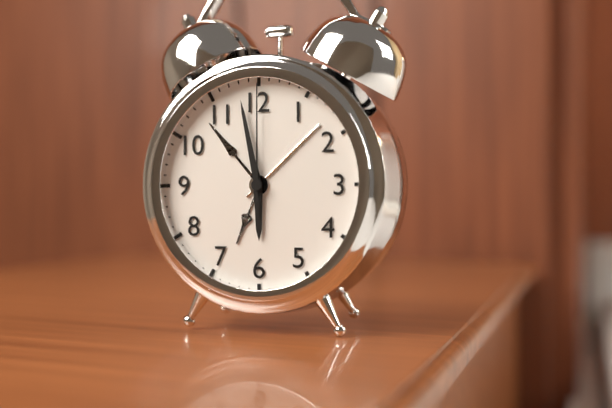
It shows 5:58:00
